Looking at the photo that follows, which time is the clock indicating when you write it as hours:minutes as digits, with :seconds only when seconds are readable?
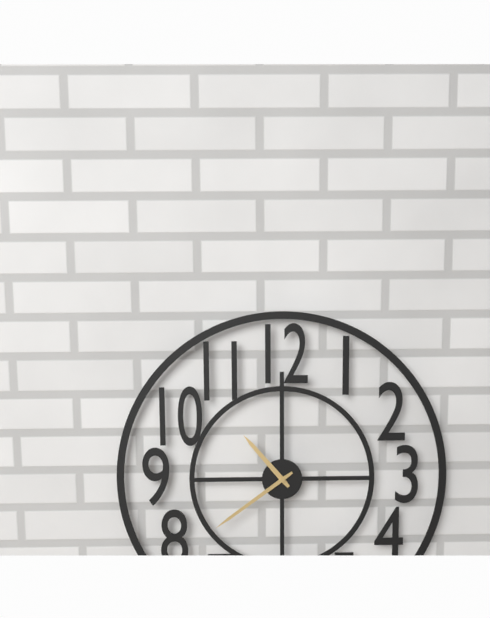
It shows 10:39
